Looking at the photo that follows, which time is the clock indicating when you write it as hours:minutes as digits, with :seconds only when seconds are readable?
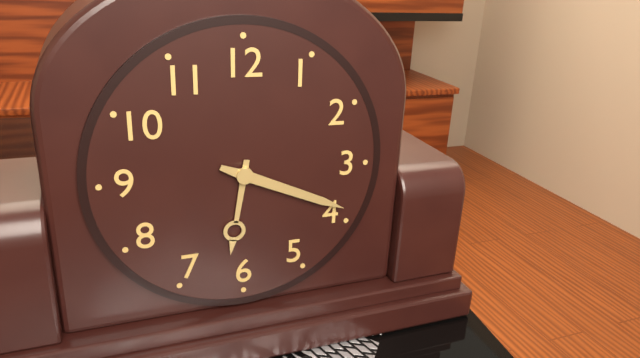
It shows 6:19
